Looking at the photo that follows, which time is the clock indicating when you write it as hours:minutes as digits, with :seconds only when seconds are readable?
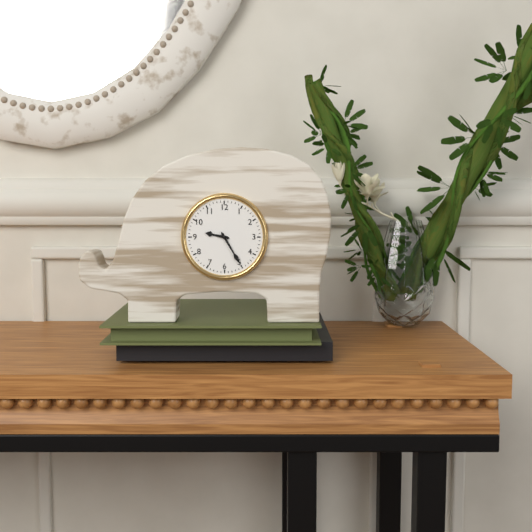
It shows 9:25
